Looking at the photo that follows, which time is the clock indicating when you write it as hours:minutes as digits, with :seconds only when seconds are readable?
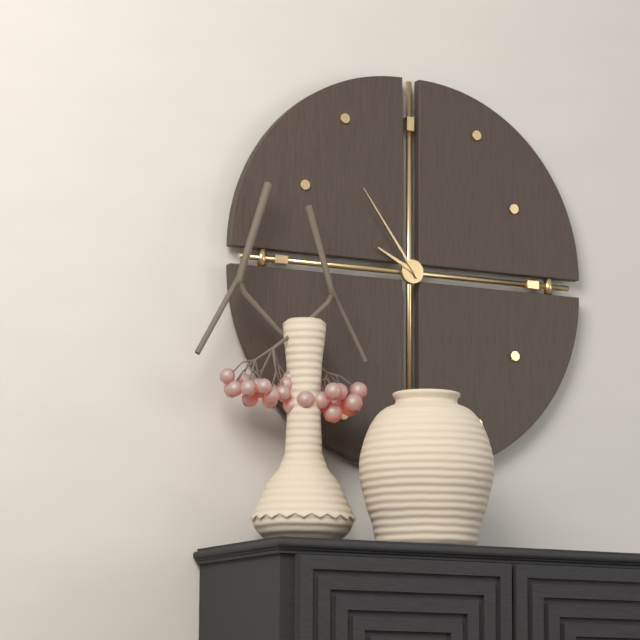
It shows 9:54
